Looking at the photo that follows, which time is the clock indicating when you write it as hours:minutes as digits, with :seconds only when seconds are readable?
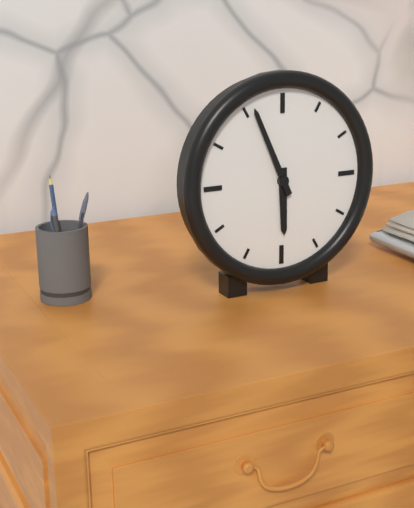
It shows 5:56
